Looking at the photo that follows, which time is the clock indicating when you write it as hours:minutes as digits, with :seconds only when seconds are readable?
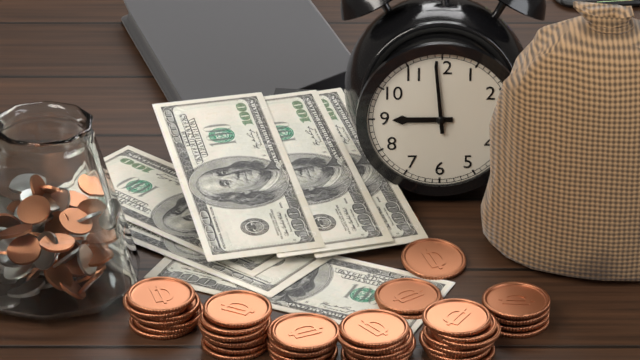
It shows 8:59
